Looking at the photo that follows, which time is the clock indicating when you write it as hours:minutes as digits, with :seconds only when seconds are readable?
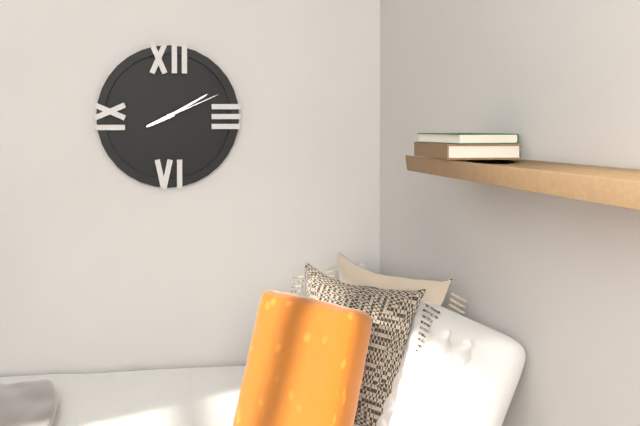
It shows 8:10:11
